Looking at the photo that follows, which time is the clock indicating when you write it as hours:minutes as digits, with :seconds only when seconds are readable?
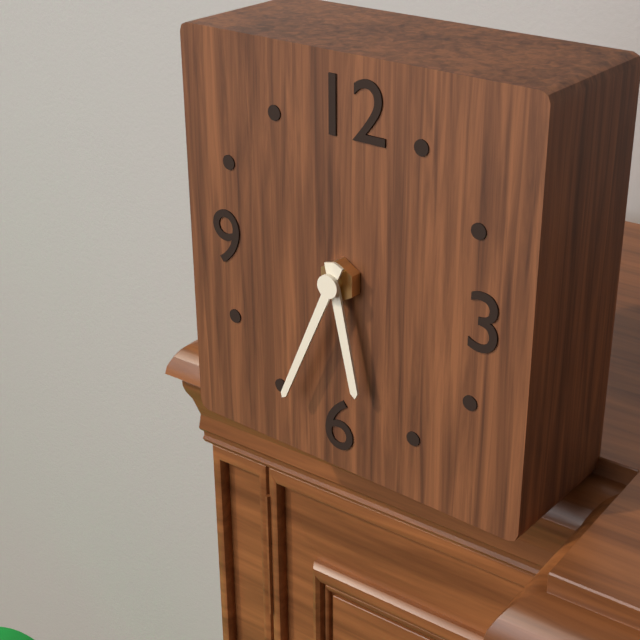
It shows 5:34
